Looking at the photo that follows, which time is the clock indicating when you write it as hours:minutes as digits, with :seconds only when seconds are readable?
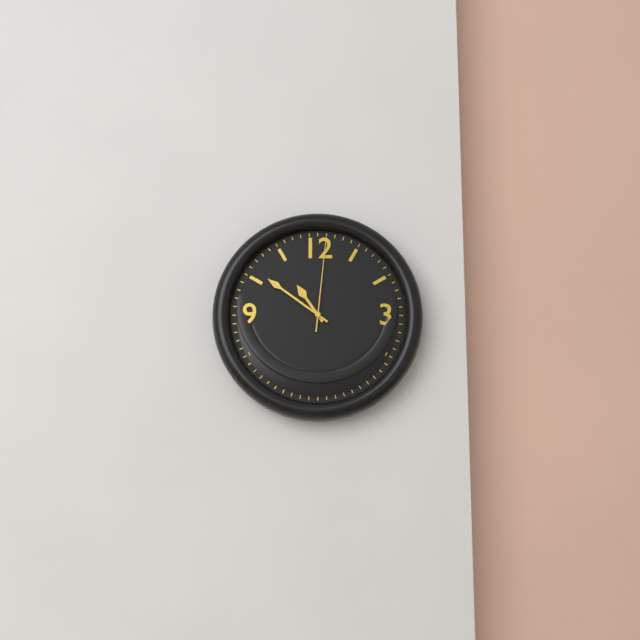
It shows 10:51:01
